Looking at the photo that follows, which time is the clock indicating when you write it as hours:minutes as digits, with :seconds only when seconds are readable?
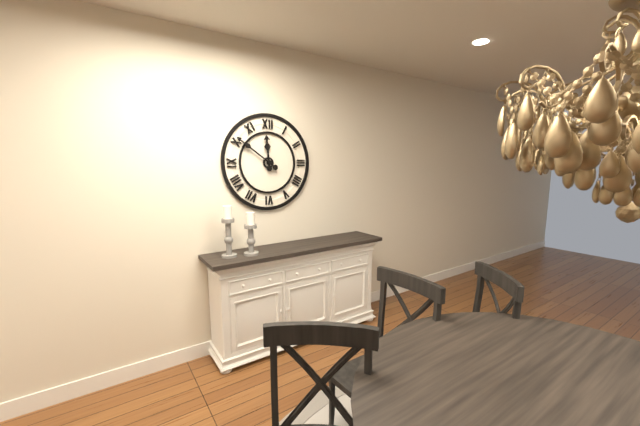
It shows 11:51
